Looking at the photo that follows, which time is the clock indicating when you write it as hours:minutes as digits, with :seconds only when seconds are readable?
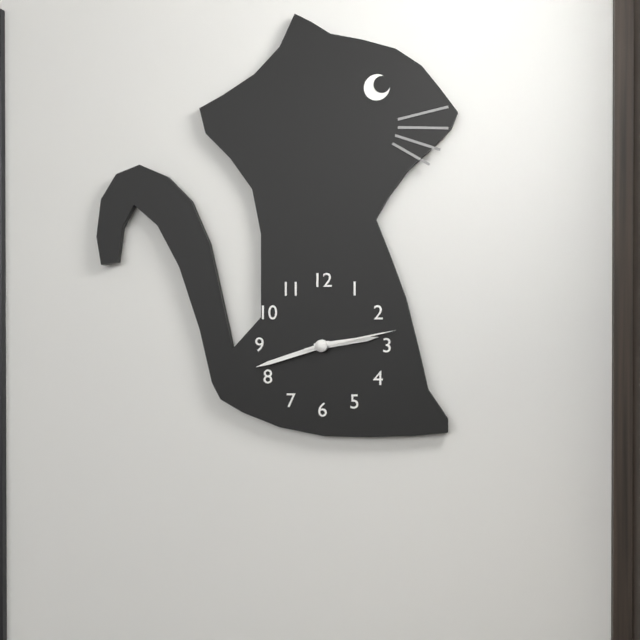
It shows 2:42:13
